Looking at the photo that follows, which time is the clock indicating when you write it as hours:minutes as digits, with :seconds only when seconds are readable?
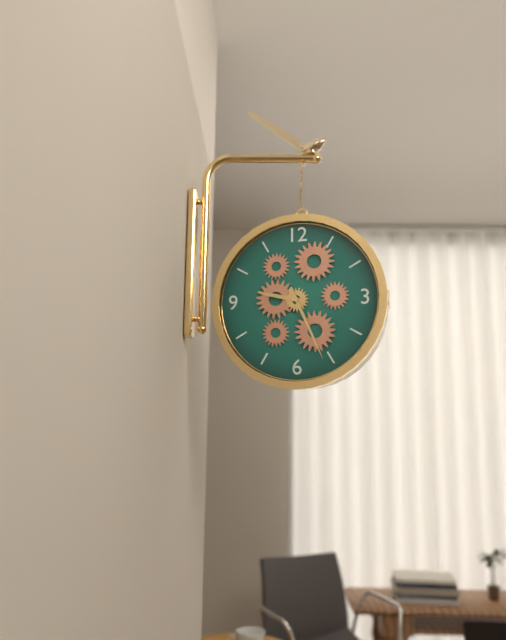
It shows 9:26
